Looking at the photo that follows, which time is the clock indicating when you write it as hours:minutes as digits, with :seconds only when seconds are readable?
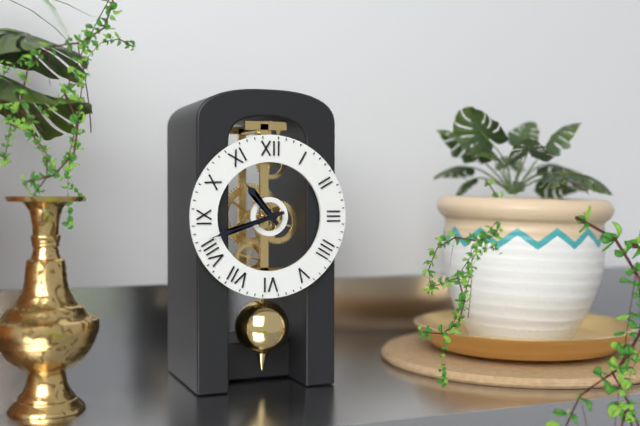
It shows 10:42
